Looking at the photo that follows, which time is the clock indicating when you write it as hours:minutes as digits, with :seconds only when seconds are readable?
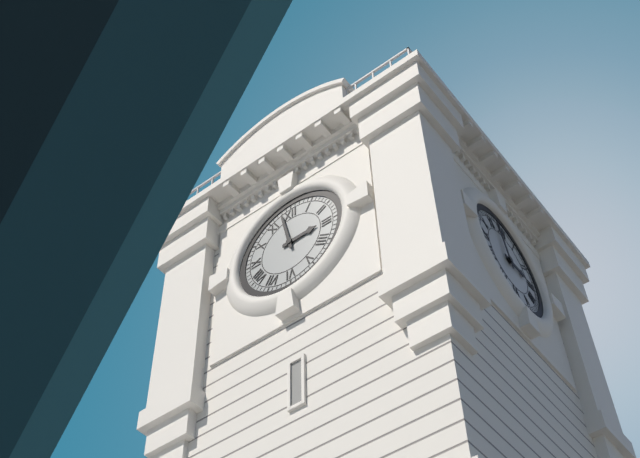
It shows 2:58
